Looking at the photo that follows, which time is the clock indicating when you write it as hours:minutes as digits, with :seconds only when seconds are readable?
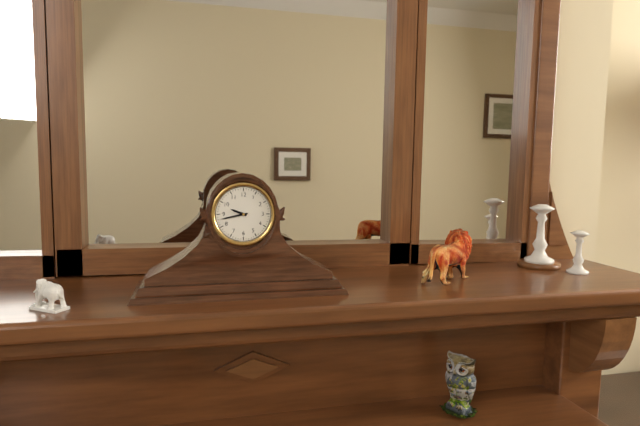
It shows 9:43
